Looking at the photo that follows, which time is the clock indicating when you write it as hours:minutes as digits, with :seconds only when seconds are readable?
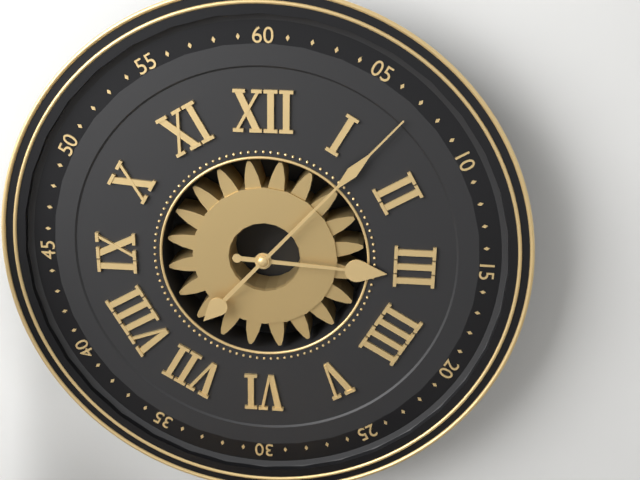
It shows 3:07
